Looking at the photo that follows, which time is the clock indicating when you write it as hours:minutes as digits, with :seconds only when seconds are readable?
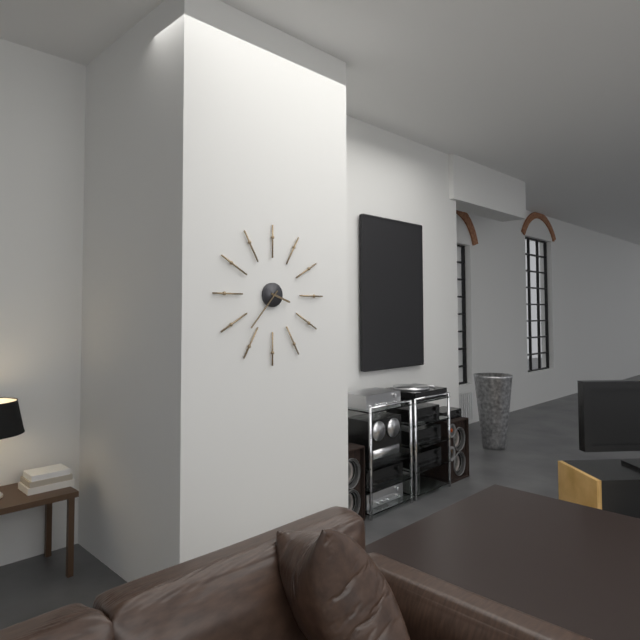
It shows 3:37
